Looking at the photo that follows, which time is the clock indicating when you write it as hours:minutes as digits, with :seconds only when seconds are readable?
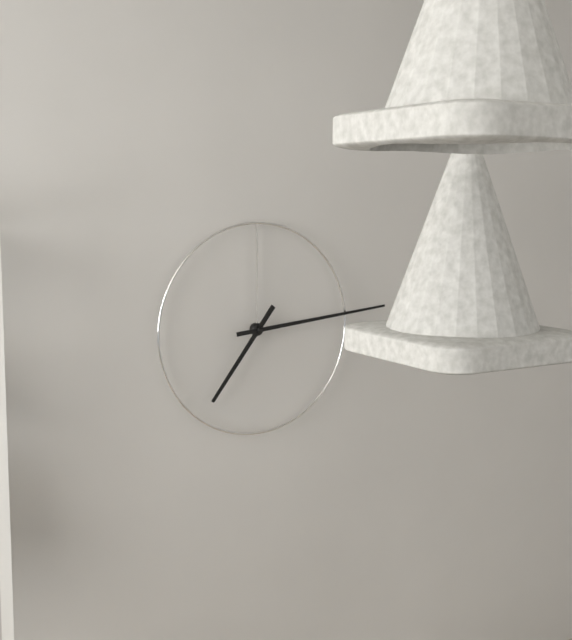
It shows 7:14
